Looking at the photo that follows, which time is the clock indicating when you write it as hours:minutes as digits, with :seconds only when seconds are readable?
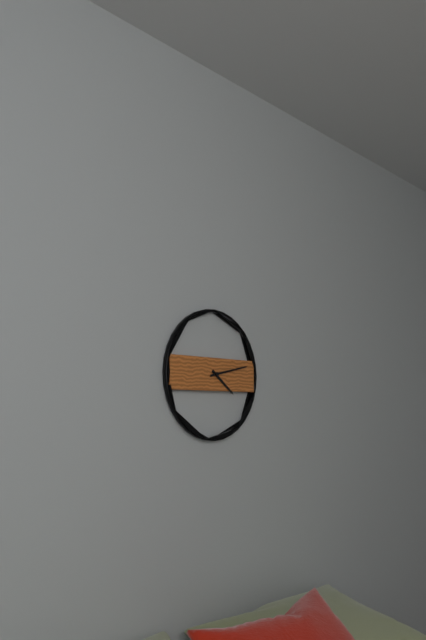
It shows 4:13
